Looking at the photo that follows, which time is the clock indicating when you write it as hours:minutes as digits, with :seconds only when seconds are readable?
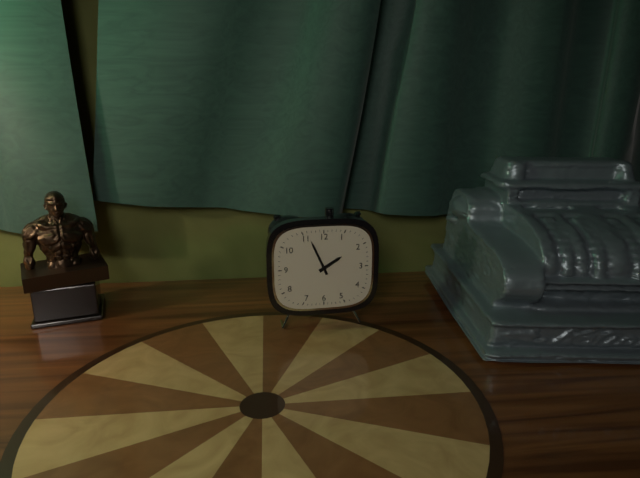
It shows 1:56
